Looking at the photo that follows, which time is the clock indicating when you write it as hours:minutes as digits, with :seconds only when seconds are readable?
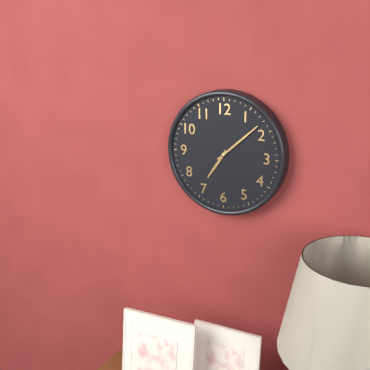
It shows 7:08
